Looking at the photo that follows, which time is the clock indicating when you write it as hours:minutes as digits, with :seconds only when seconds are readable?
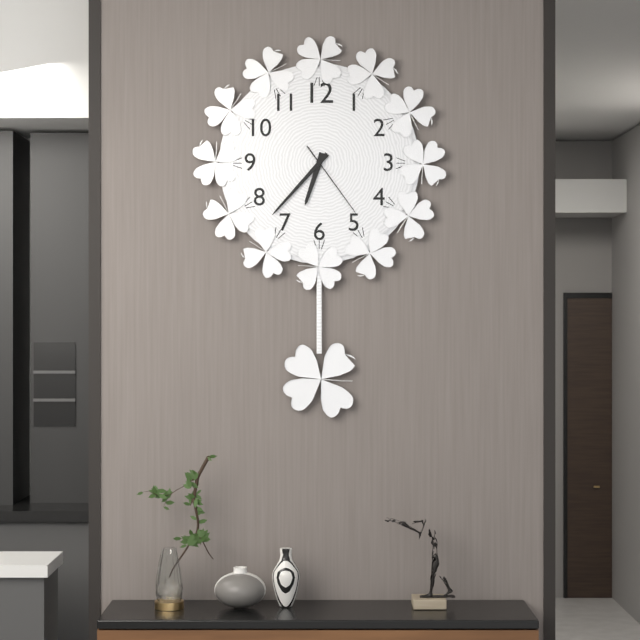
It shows 6:37:24
